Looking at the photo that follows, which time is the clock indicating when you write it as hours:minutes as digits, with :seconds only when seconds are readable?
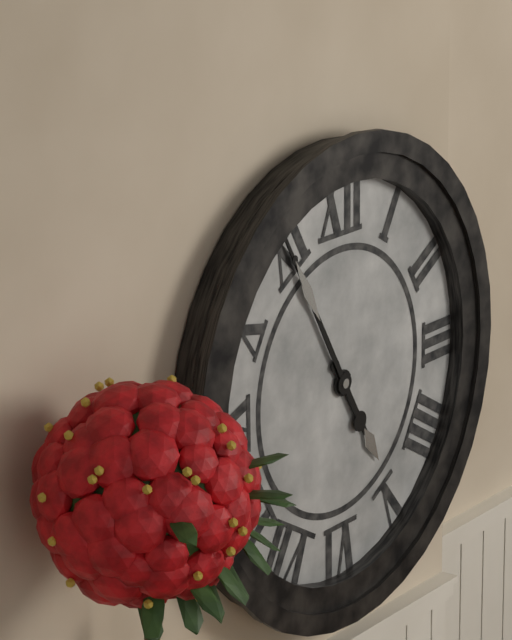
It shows 4:55
